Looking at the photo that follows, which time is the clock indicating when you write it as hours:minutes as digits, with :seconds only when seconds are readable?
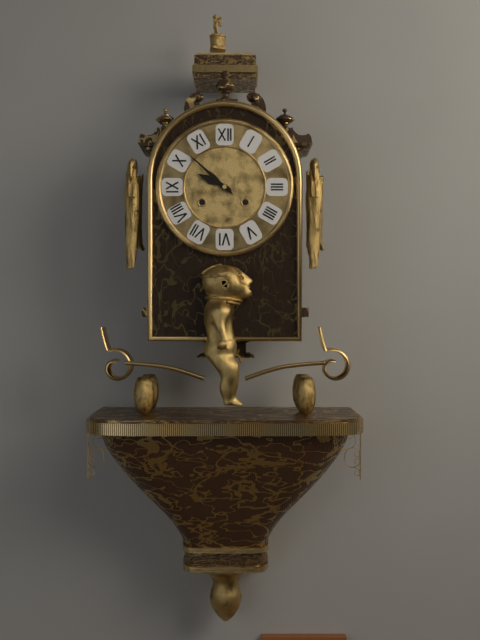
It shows 9:52
